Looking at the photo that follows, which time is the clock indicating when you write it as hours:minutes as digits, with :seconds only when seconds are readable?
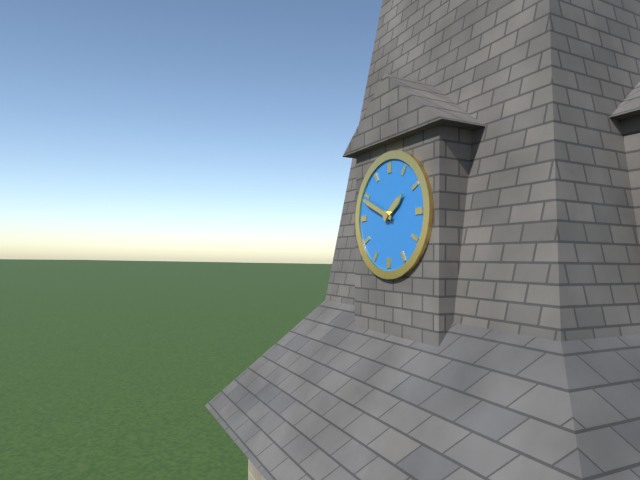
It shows 1:49
